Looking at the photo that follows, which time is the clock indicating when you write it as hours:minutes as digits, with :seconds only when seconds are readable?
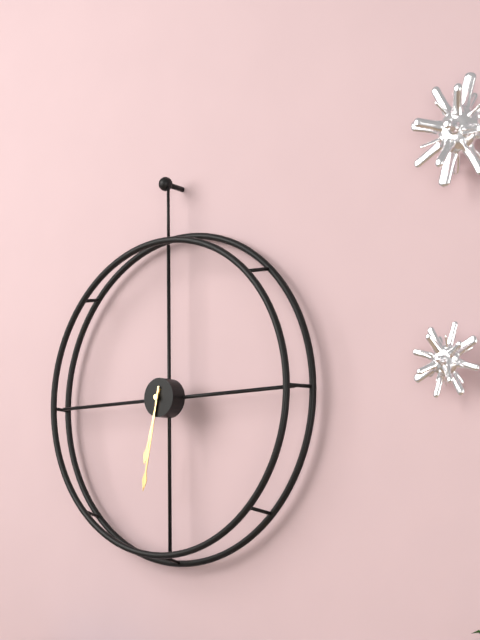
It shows 6:32
